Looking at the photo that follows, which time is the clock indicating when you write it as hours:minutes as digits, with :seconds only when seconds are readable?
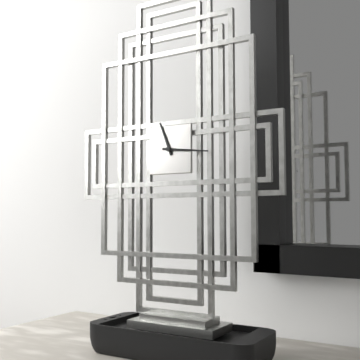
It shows 11:16
